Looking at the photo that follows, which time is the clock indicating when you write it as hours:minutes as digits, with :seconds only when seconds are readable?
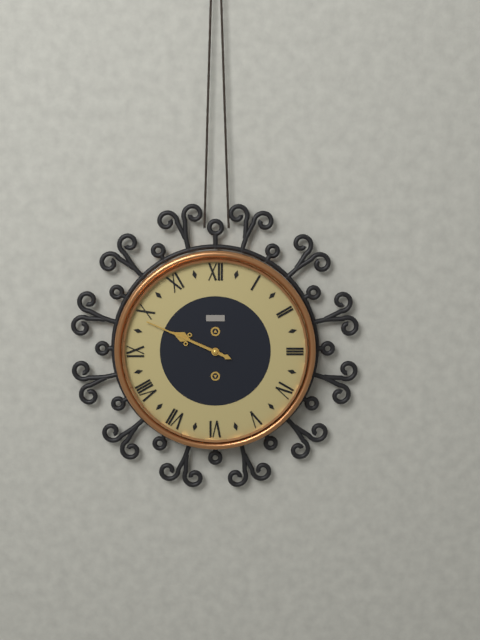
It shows 9:49
